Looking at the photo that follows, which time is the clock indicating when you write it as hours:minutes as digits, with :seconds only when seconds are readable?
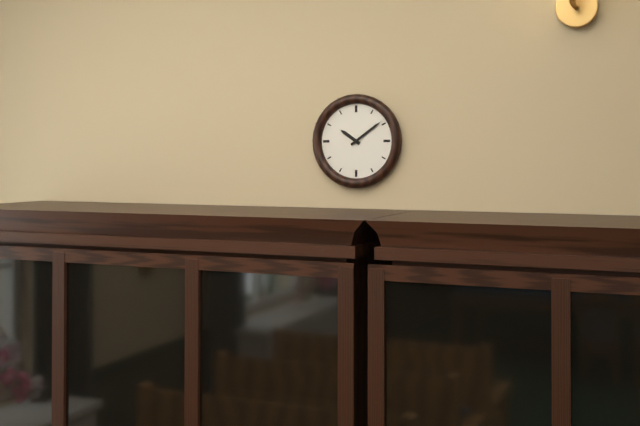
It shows 10:09
